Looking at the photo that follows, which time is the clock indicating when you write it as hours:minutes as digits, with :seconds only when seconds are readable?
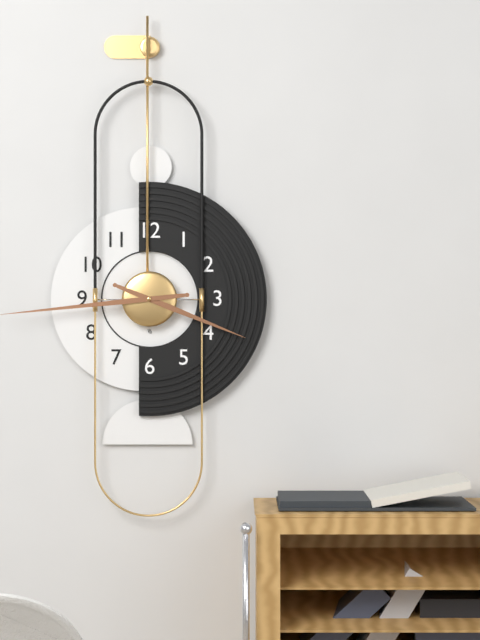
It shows 3:44
